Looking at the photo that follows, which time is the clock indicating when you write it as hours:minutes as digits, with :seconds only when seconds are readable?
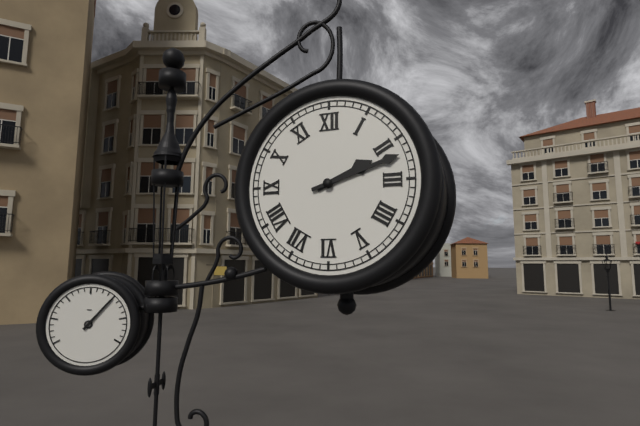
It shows 2:12
